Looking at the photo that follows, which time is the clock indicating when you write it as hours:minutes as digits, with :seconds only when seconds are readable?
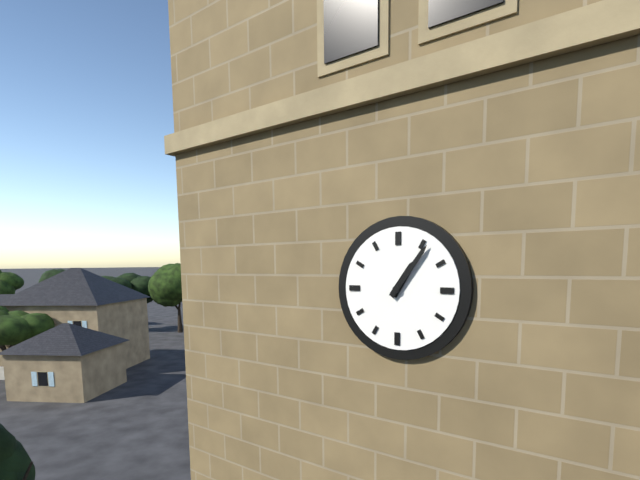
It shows 1:06
